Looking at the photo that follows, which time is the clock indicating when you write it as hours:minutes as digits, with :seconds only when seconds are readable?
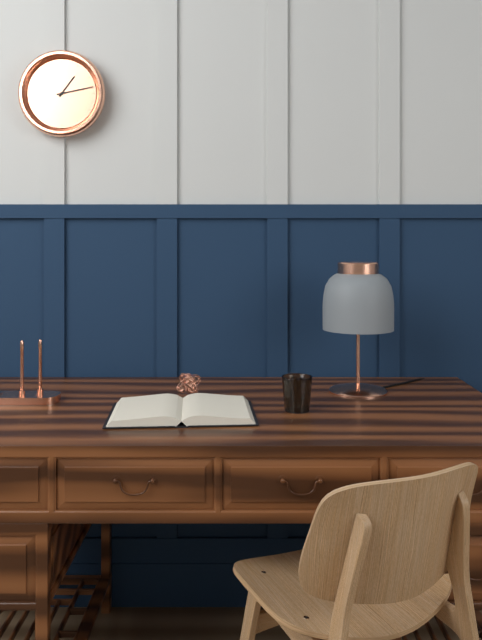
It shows 1:13
